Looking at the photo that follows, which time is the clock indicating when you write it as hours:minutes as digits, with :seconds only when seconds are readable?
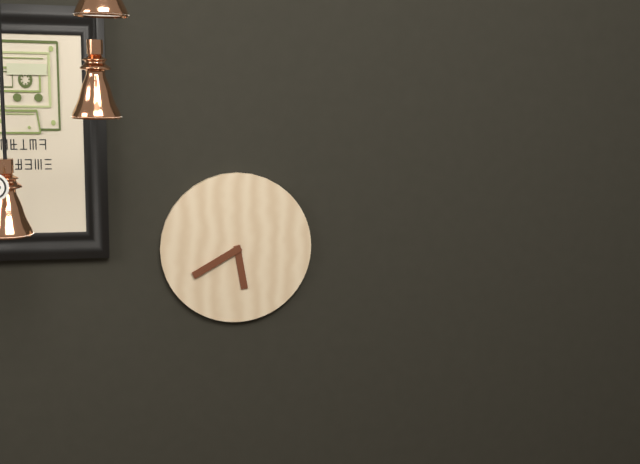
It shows 5:40
